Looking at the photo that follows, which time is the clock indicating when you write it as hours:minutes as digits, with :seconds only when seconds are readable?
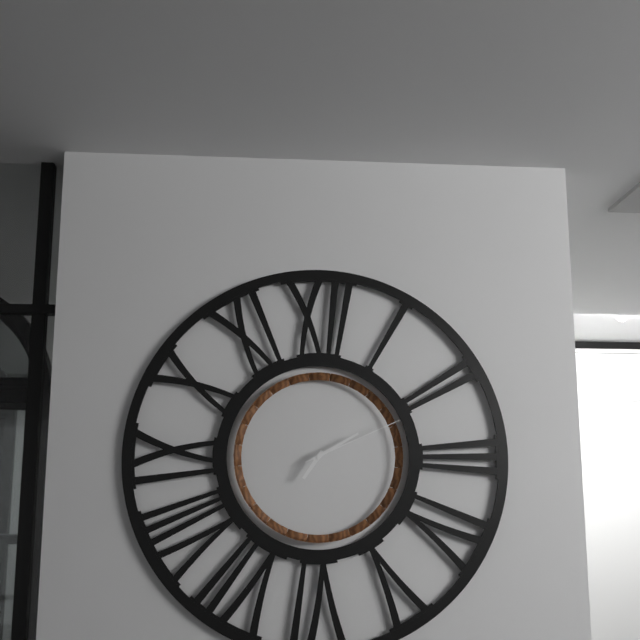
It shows 7:10:11
